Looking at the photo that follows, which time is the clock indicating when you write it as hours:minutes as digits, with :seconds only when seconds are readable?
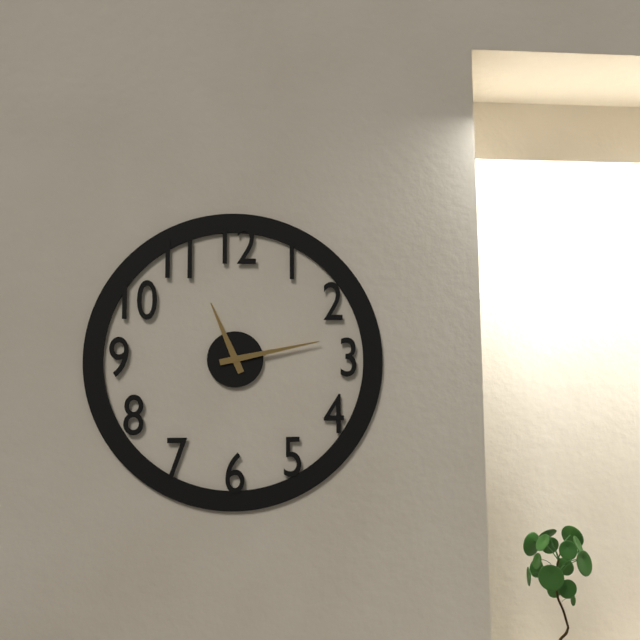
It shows 11:13
